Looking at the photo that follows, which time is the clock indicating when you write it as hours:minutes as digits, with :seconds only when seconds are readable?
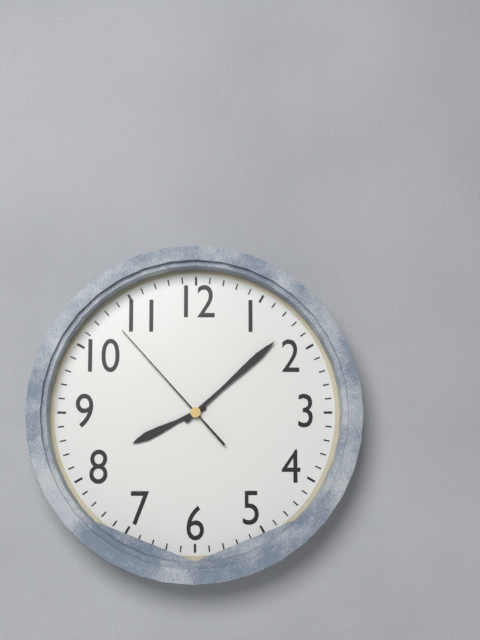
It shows 8:08:53
